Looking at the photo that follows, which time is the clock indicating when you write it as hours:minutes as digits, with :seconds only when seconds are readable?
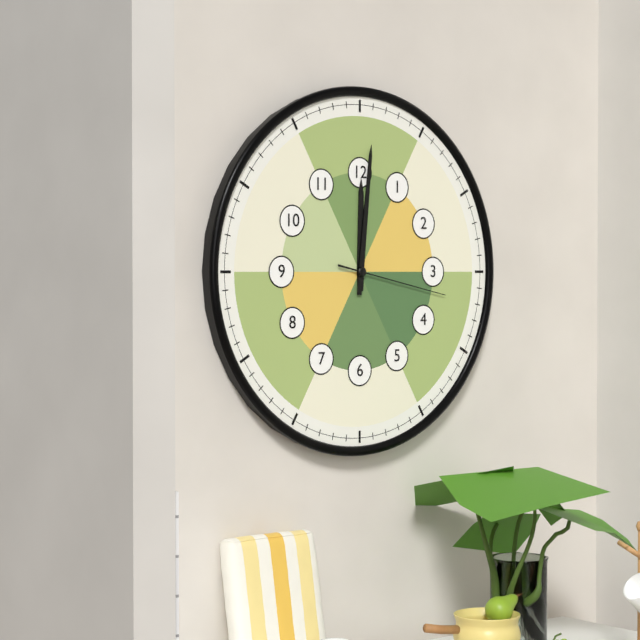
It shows 12:01:17
